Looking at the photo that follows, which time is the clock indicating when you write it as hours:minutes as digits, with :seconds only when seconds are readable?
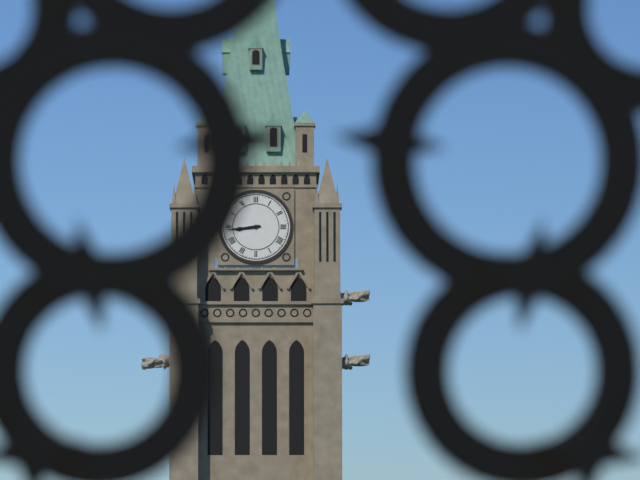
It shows 8:44
